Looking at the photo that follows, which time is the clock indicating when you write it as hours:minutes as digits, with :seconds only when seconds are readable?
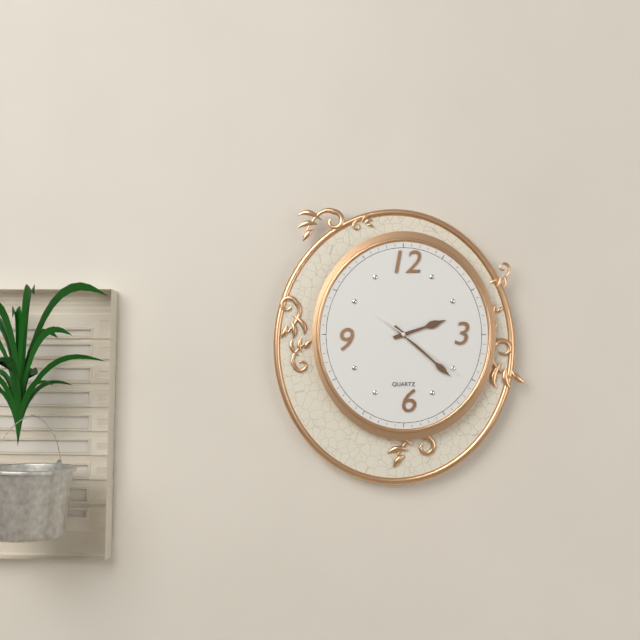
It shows 2:22:21
